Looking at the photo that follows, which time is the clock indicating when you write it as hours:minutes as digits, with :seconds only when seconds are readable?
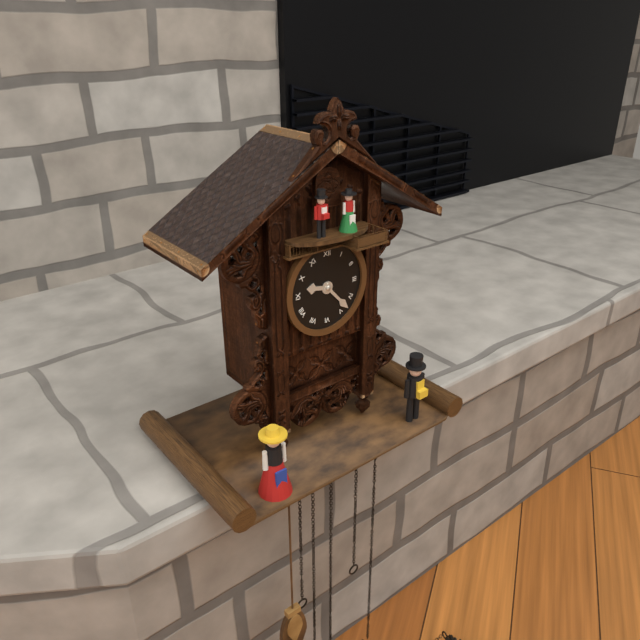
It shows 9:23
